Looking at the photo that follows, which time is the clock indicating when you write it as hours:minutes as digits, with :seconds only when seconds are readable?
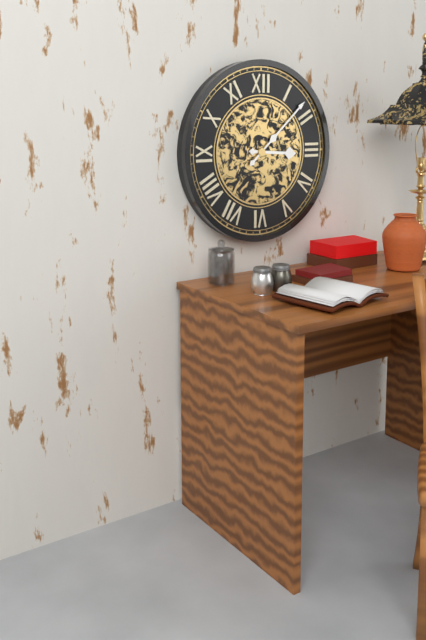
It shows 3:08
